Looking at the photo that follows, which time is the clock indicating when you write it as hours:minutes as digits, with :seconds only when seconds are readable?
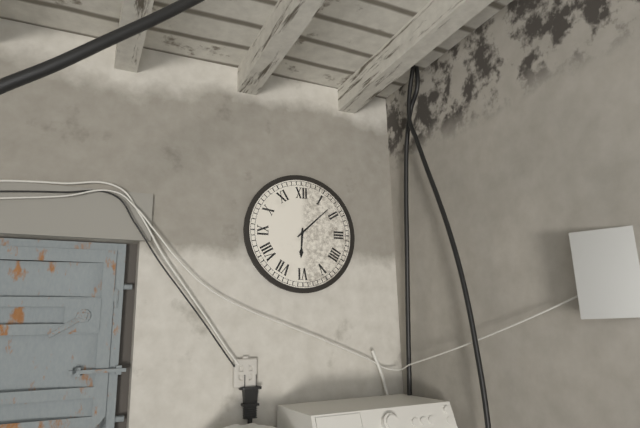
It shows 6:08
